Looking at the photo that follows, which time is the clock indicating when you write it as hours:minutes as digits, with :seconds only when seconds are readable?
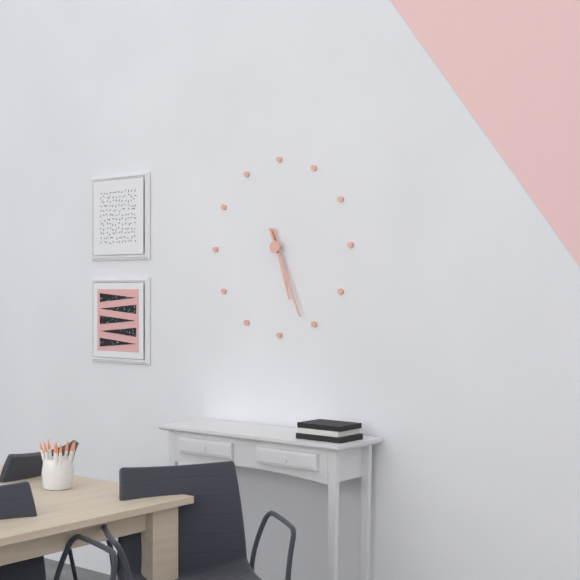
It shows 5:26
